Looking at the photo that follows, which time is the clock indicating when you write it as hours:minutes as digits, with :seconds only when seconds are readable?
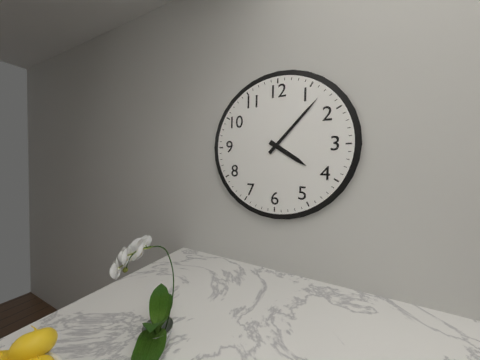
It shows 4:07
